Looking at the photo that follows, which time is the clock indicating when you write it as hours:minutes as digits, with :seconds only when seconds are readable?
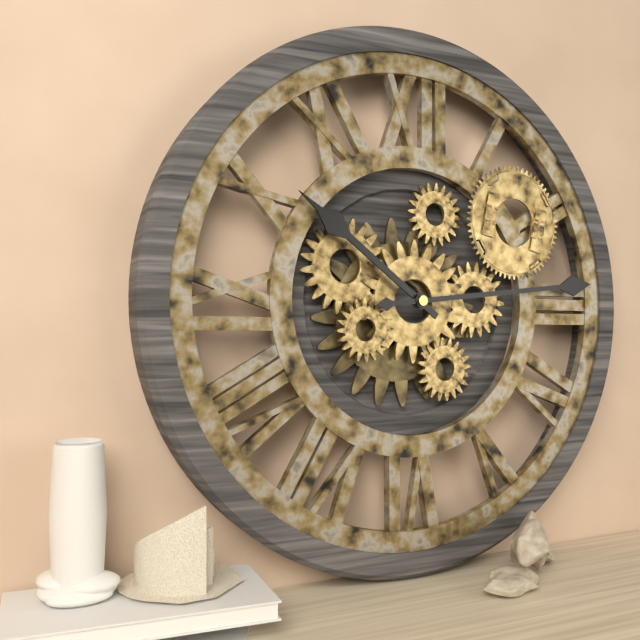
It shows 10:14
